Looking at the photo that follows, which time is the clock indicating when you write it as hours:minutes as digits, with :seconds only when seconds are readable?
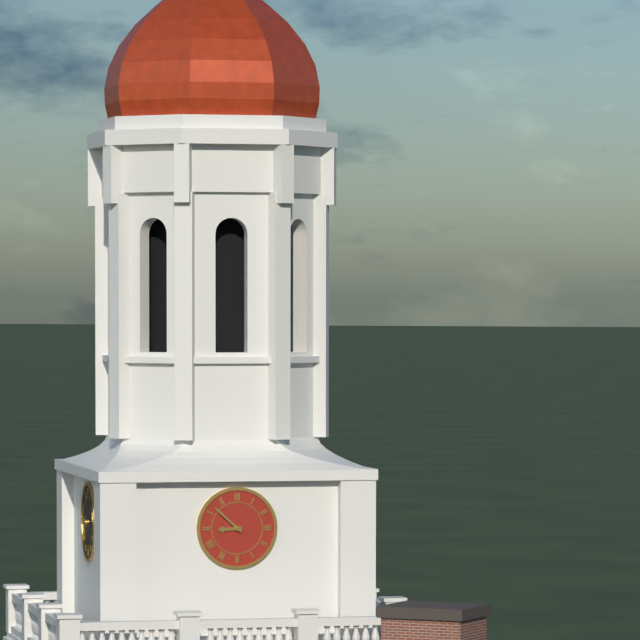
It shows 8:52
